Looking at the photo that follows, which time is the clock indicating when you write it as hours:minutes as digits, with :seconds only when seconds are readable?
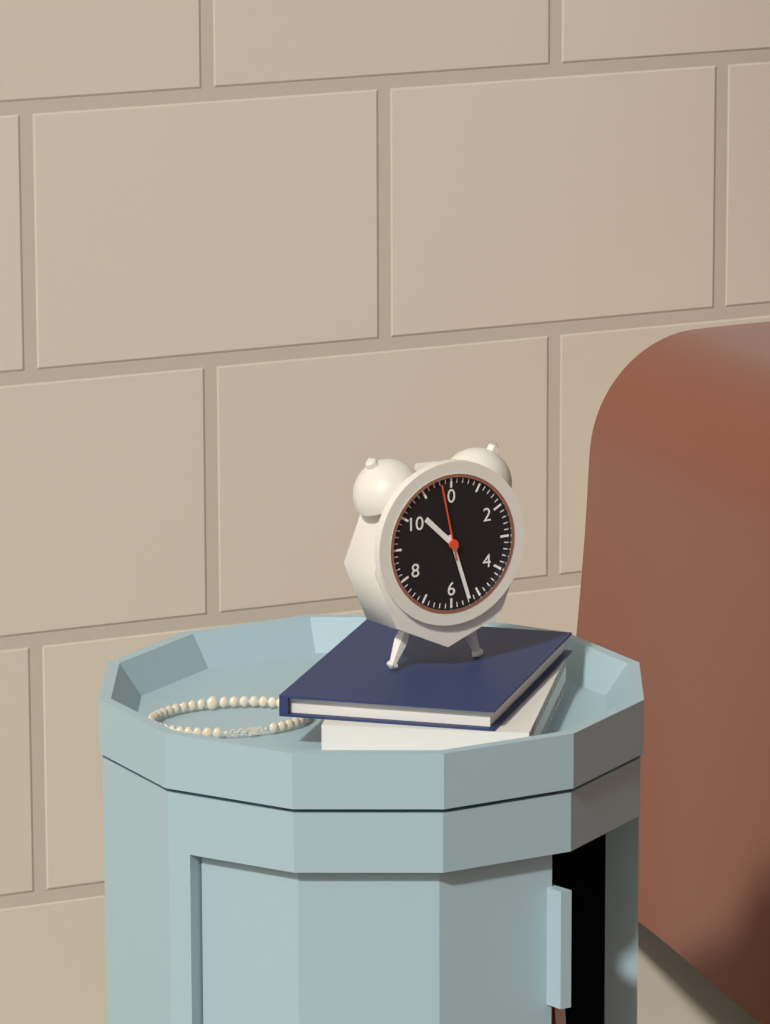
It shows 10:27:58
